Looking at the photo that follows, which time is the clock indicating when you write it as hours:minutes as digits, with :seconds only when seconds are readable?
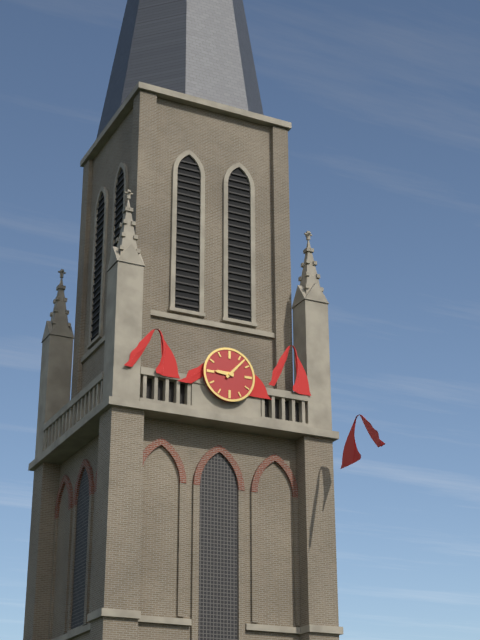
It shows 9:07
